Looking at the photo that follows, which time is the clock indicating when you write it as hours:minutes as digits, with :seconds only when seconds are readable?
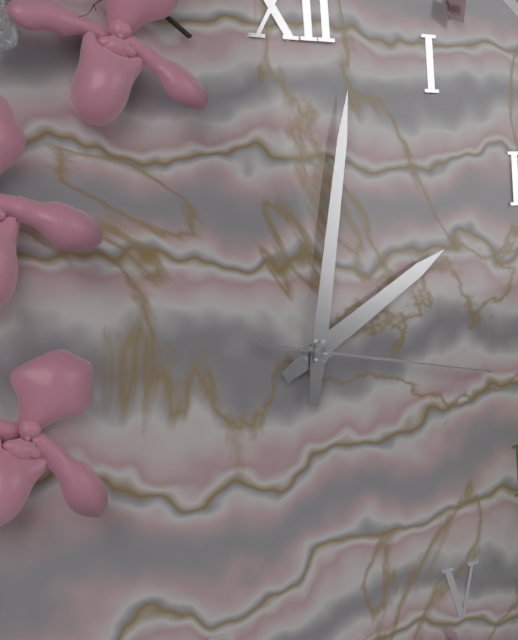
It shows 2:02:17
